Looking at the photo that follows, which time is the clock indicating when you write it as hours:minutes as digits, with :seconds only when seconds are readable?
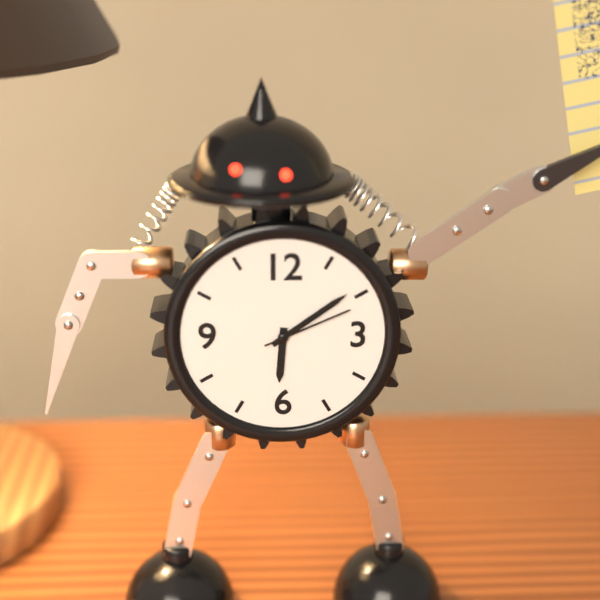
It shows 6:09:11
